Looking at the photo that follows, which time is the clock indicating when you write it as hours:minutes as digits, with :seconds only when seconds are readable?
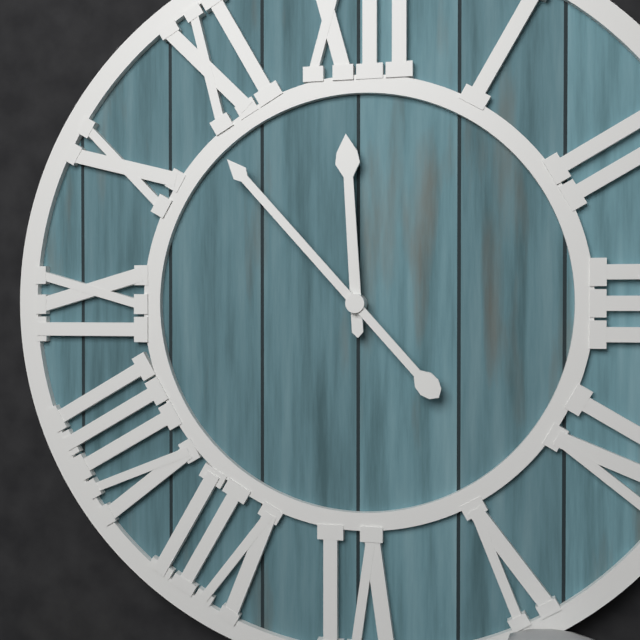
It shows 11:53
